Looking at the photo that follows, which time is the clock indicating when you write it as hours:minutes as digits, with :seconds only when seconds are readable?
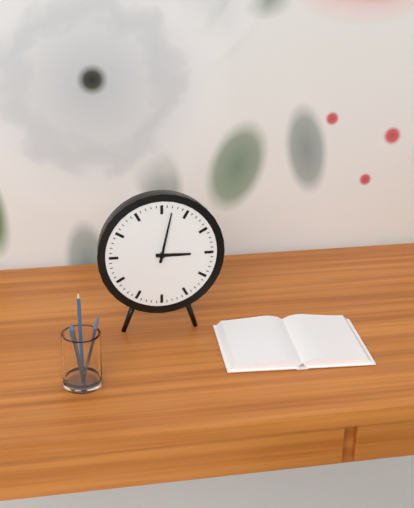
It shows 3:02
